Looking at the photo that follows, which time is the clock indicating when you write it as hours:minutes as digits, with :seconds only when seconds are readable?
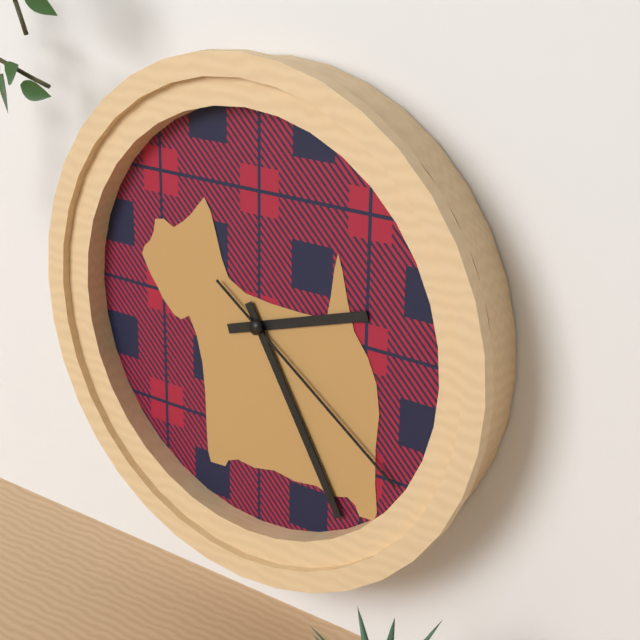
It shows 2:25:21
